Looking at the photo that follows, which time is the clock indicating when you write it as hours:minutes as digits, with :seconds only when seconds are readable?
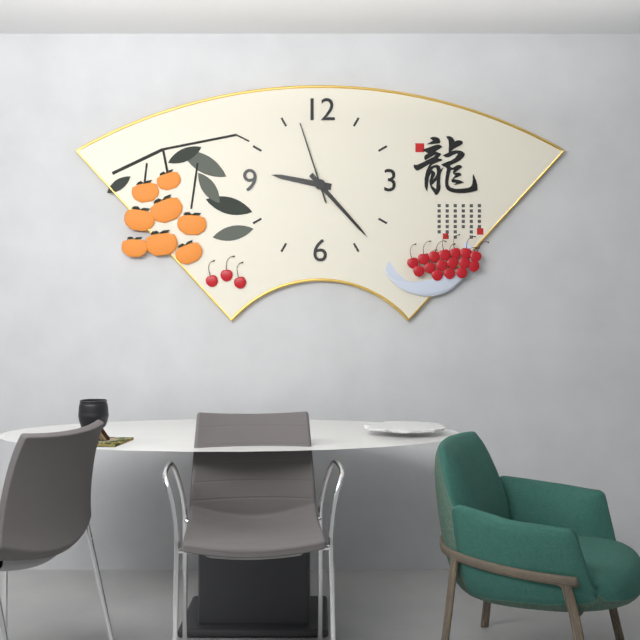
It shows 9:23:57
